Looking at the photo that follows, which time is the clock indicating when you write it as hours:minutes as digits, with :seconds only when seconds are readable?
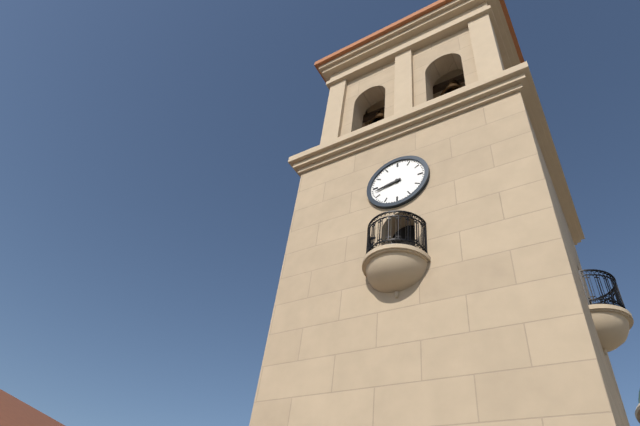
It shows 8:43
